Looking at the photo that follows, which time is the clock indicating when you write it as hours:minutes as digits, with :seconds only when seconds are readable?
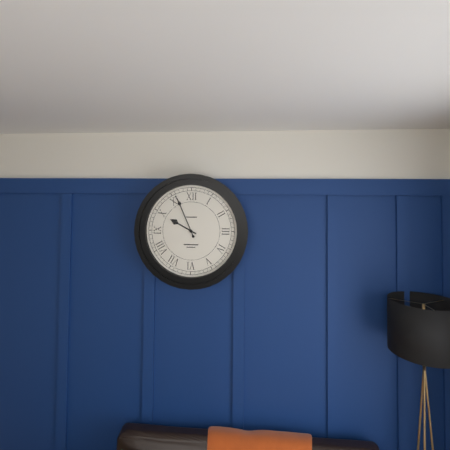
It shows 9:56
